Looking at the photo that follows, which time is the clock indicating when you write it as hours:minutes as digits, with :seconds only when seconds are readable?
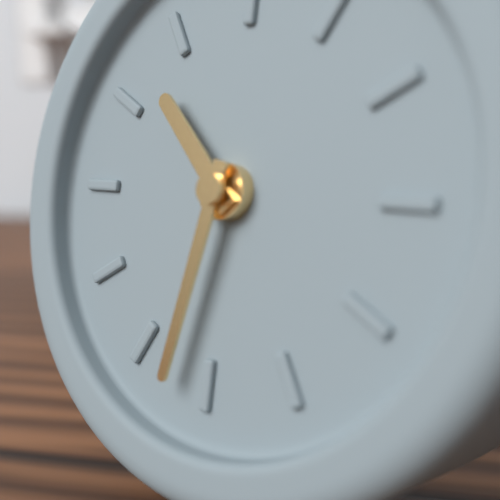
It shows 10:32
